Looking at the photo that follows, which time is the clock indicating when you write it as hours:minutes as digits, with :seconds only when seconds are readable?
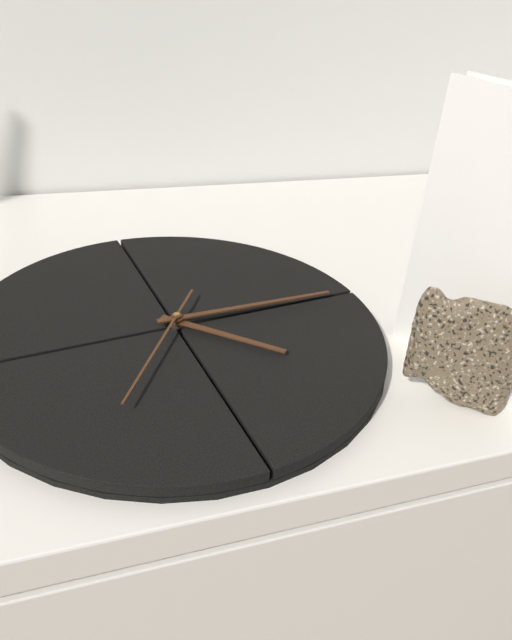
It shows 5:19:40
